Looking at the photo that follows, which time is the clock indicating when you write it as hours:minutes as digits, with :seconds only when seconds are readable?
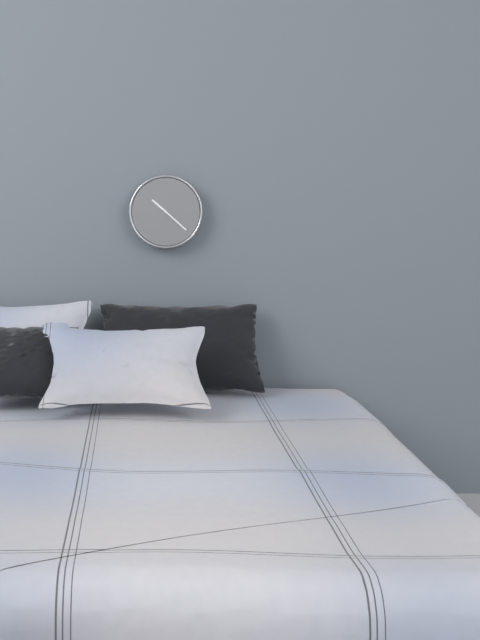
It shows 10:22
